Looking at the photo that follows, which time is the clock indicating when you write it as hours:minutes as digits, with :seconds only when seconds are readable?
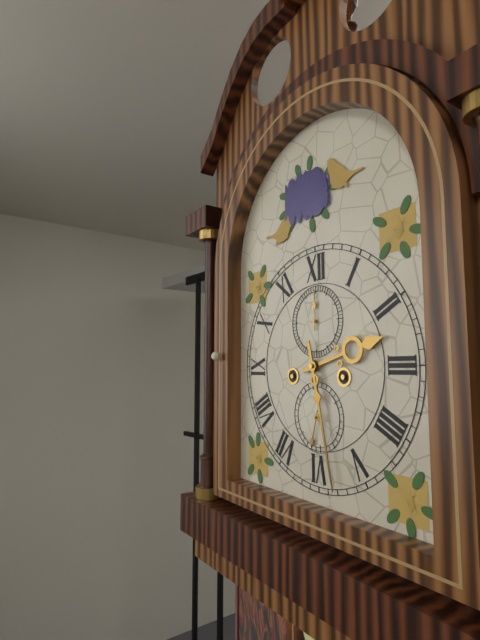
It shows 2:28
